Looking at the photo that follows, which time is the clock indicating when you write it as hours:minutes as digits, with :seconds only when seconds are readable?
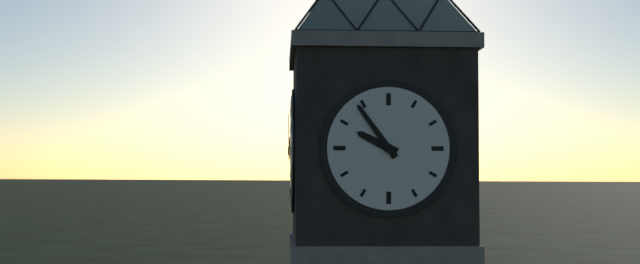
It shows 9:54
